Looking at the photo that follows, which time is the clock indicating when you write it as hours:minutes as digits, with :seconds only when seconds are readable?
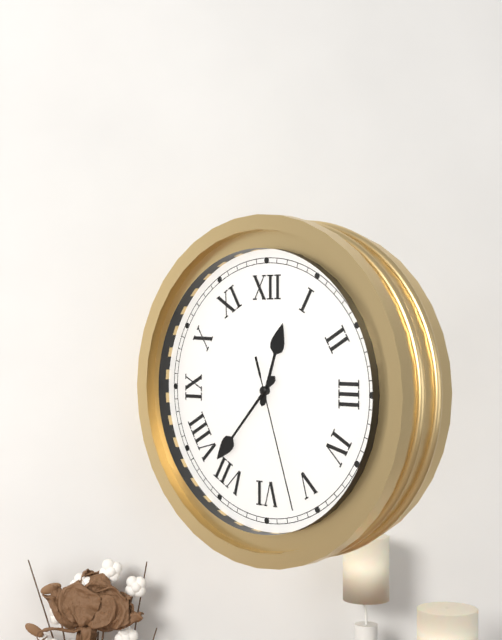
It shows 12:37:27
